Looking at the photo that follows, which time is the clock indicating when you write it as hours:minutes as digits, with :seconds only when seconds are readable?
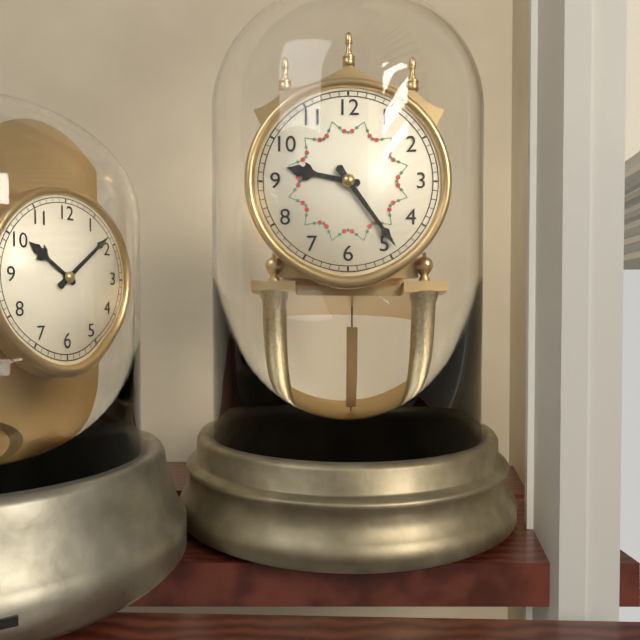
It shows 9:24
